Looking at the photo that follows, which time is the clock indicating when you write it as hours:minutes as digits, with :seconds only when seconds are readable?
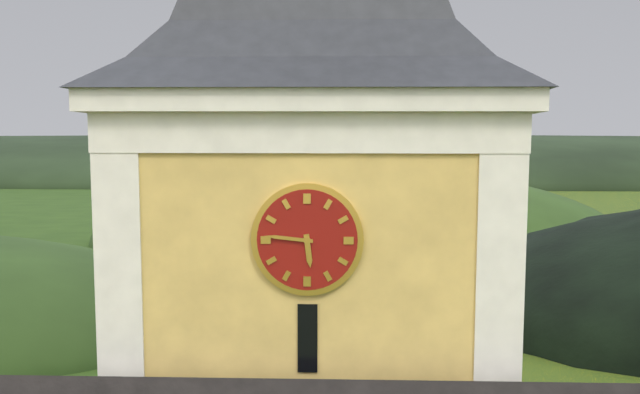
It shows 5:46
